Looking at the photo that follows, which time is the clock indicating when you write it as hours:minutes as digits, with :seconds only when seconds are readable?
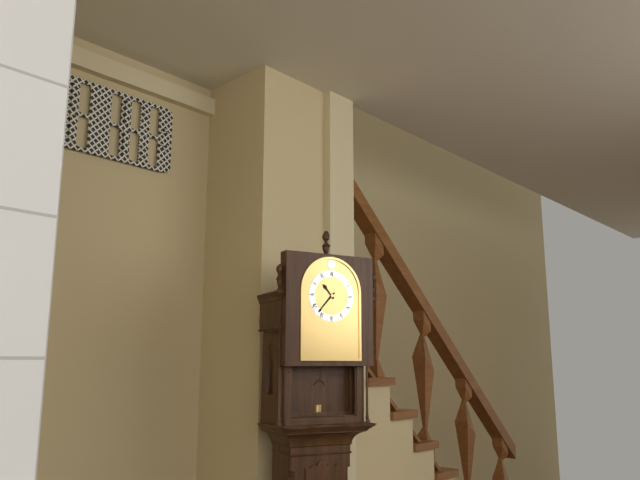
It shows 10:37
